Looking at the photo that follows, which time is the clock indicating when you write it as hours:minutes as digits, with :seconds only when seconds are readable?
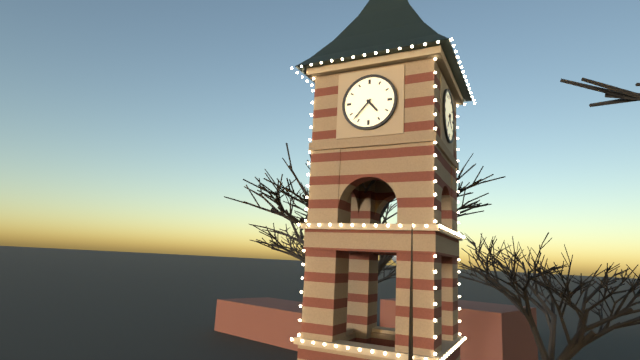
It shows 4:37
